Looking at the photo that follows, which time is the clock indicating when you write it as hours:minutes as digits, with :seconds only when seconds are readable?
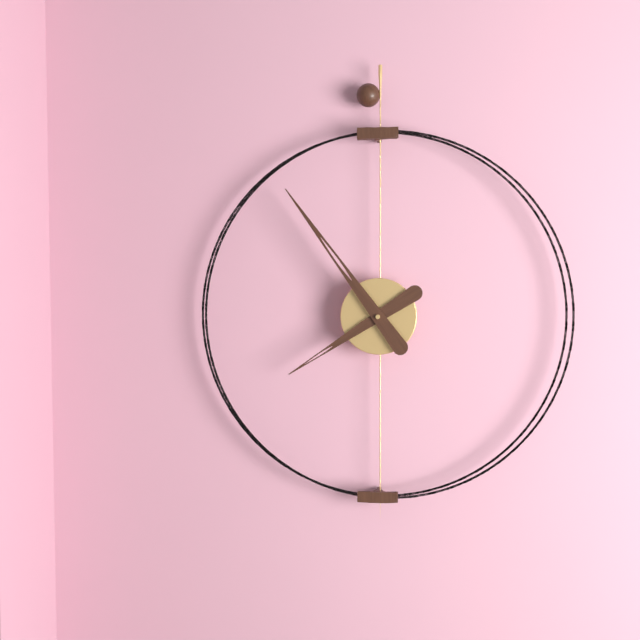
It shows 7:54
